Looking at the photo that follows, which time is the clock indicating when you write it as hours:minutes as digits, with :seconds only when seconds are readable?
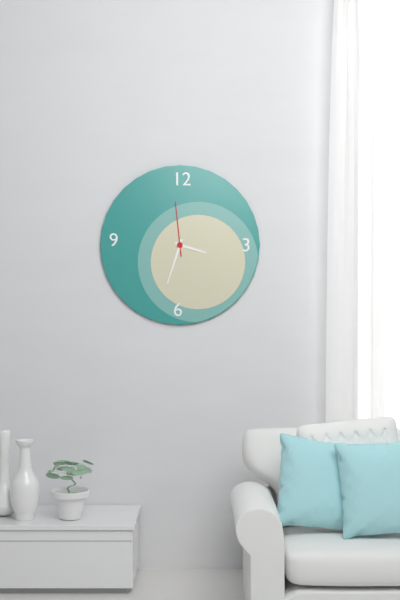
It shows 3:33:59
